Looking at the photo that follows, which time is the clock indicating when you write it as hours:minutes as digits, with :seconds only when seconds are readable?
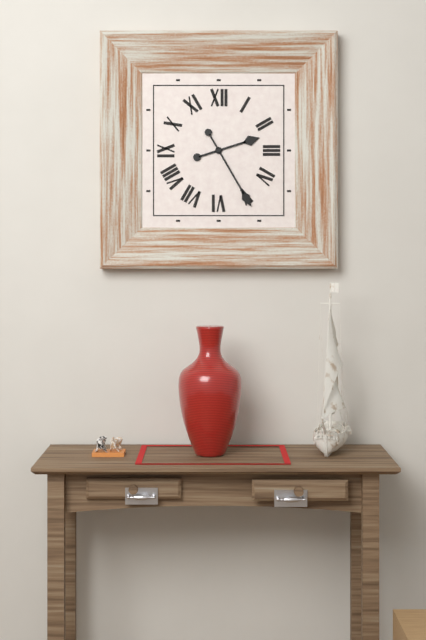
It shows 2:25
